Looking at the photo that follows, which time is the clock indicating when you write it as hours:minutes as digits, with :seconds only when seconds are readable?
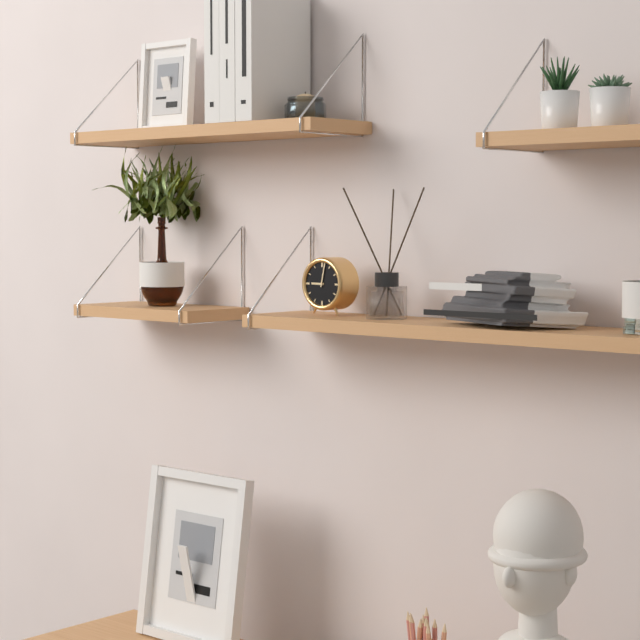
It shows 9:02
